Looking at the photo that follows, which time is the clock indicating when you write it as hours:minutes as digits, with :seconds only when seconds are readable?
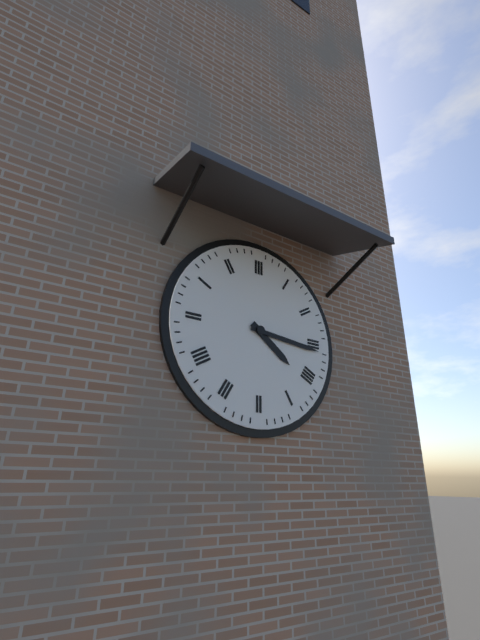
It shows 4:16
